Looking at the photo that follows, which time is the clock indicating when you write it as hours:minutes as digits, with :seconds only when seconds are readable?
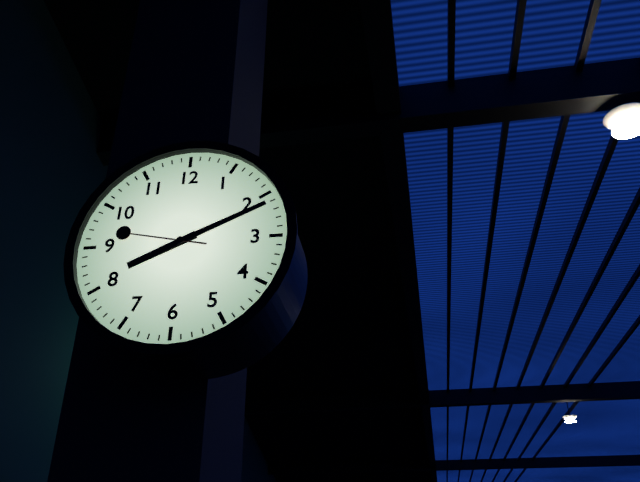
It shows 8:11:47
